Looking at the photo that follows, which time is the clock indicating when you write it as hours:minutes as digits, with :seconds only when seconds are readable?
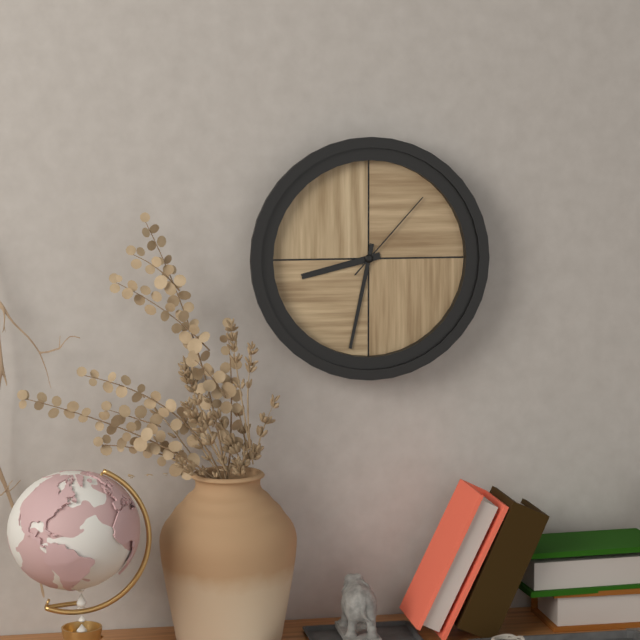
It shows 8:32:07
